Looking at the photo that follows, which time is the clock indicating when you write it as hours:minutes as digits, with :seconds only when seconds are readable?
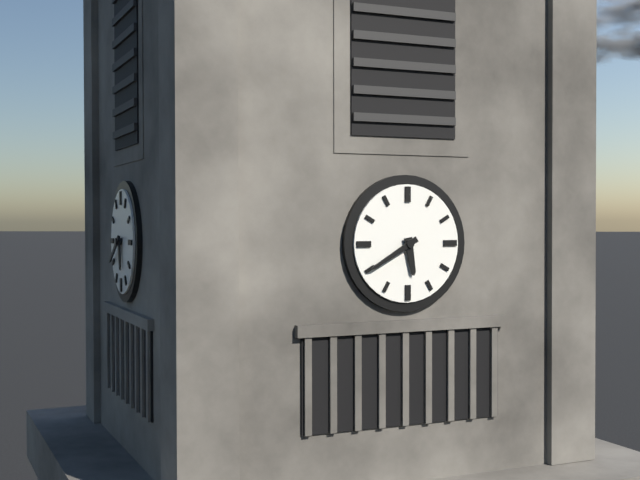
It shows 5:40
